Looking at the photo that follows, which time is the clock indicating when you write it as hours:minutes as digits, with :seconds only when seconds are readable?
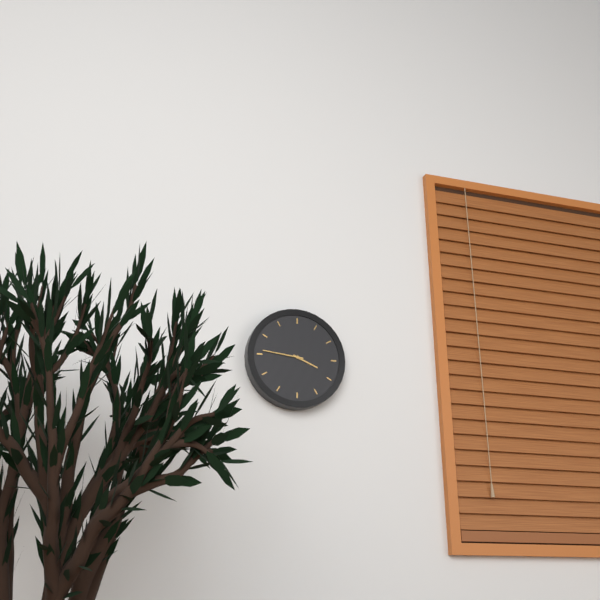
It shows 3:46
